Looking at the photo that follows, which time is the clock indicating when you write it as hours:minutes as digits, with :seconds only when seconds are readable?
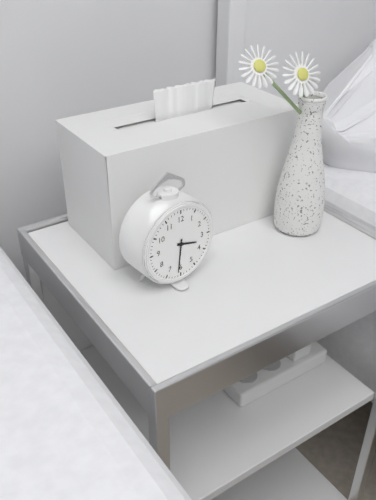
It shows 3:31
